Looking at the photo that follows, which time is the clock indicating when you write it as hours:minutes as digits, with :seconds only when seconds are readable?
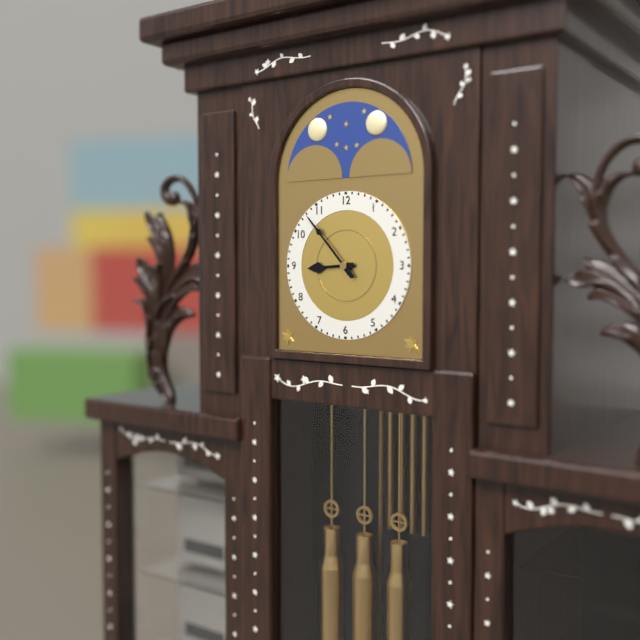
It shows 8:53
